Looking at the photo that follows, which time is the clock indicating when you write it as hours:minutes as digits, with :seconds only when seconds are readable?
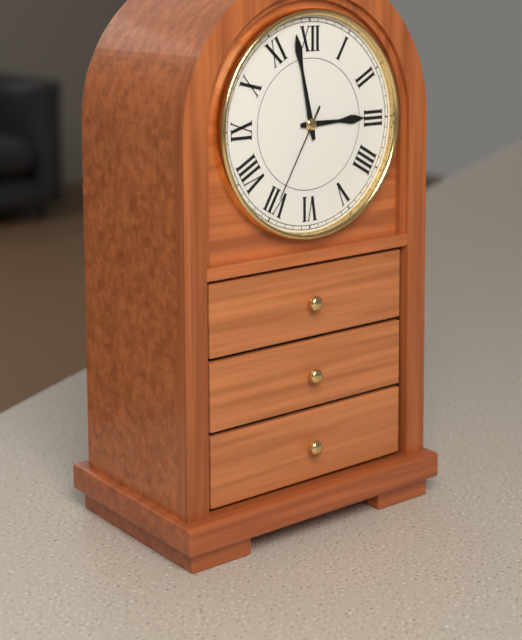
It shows 2:58:35
